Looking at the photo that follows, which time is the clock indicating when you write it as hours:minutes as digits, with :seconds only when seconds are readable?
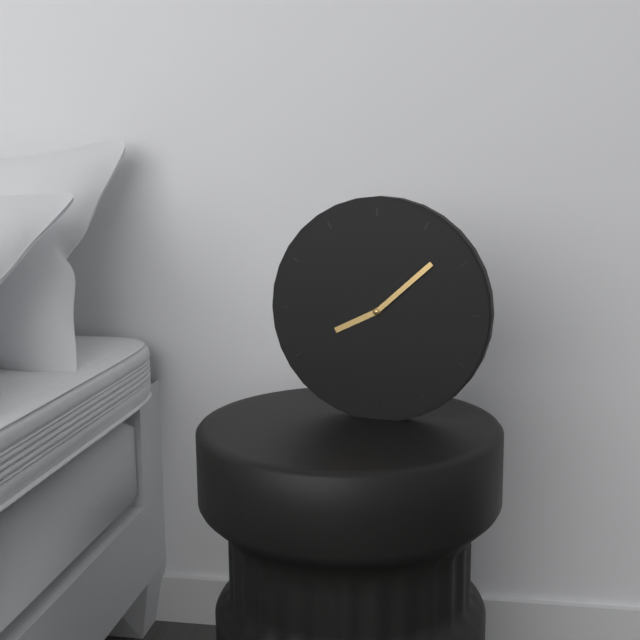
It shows 8:08
